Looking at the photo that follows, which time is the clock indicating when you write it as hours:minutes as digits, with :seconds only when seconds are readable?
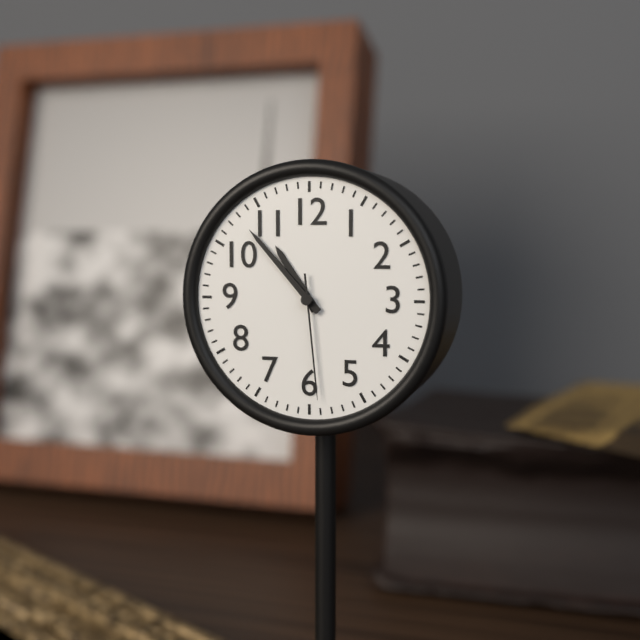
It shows 10:53:29
